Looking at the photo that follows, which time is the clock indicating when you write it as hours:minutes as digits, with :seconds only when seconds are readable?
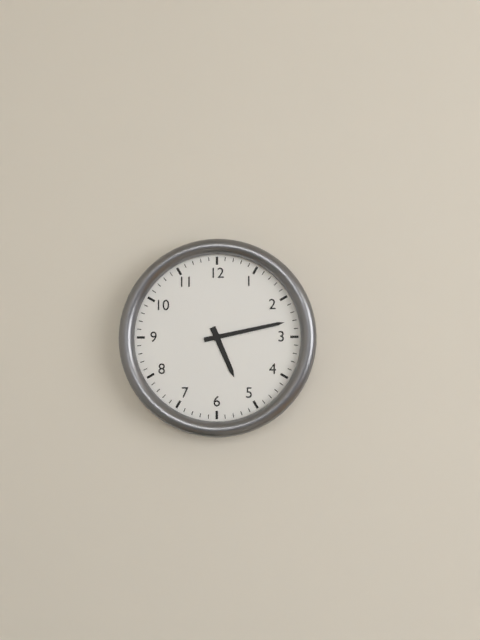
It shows 5:13
